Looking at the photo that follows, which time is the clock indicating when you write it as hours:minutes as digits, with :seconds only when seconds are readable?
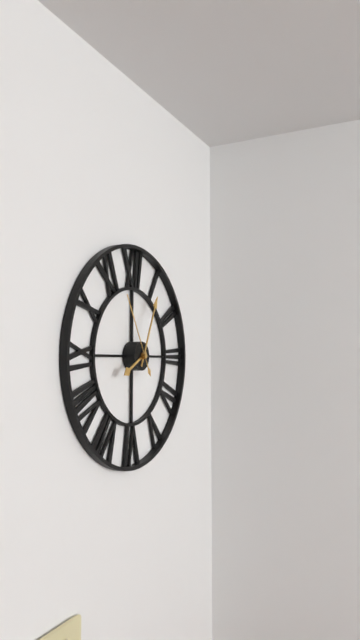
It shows 8:04:55
